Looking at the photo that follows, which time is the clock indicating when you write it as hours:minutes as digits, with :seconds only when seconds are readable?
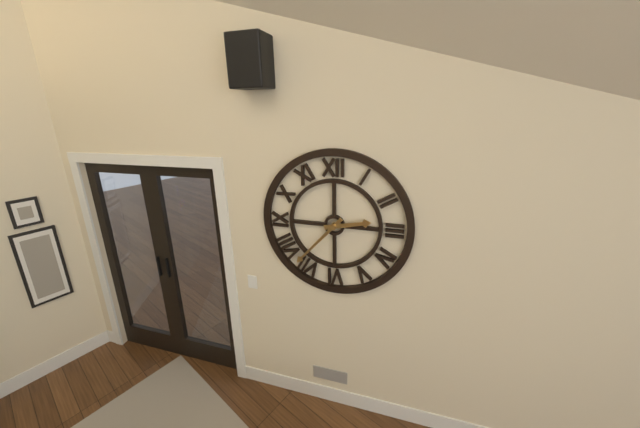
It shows 2:37
